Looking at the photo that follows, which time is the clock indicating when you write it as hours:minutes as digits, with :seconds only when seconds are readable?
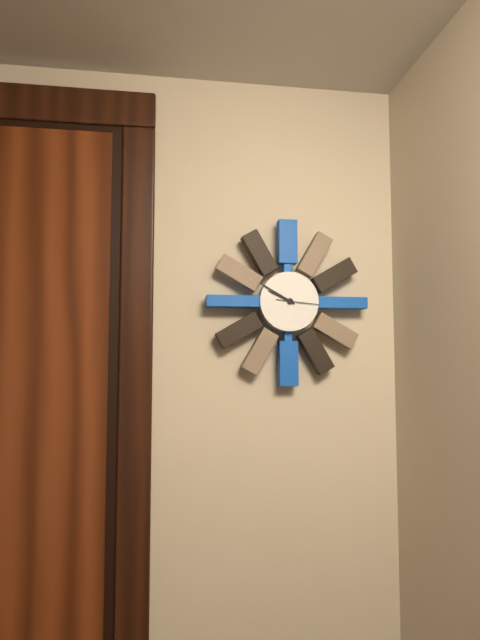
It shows 9:50
